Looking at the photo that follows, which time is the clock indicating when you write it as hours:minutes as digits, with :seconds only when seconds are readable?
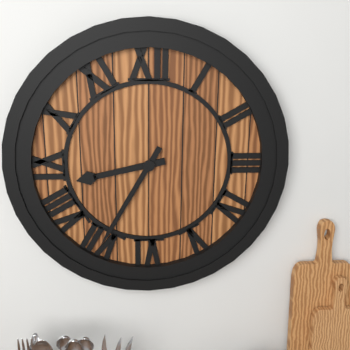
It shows 8:35
